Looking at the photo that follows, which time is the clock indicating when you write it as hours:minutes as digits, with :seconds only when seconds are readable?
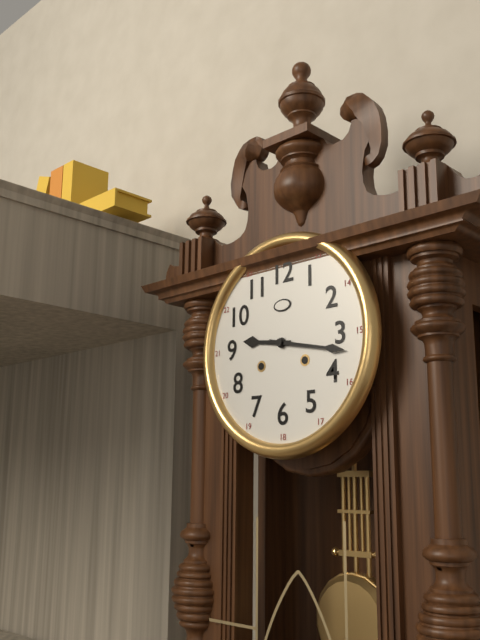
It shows 9:17
